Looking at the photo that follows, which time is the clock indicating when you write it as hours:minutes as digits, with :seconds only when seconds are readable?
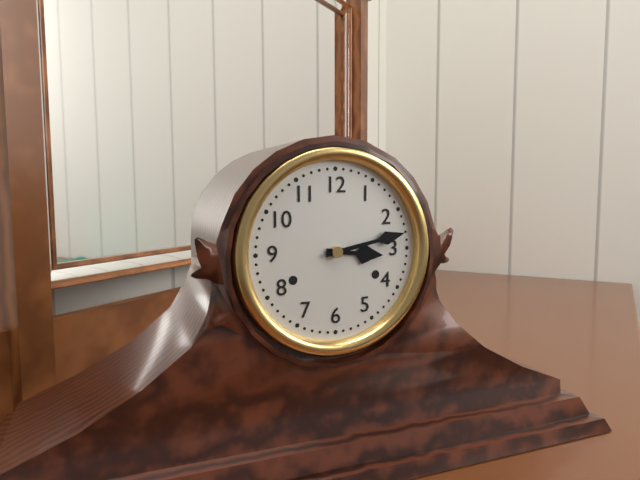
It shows 3:13
